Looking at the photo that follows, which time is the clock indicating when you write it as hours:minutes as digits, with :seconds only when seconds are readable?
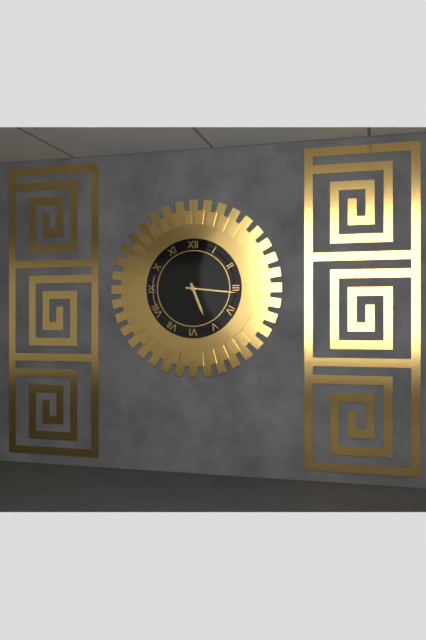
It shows 5:16
